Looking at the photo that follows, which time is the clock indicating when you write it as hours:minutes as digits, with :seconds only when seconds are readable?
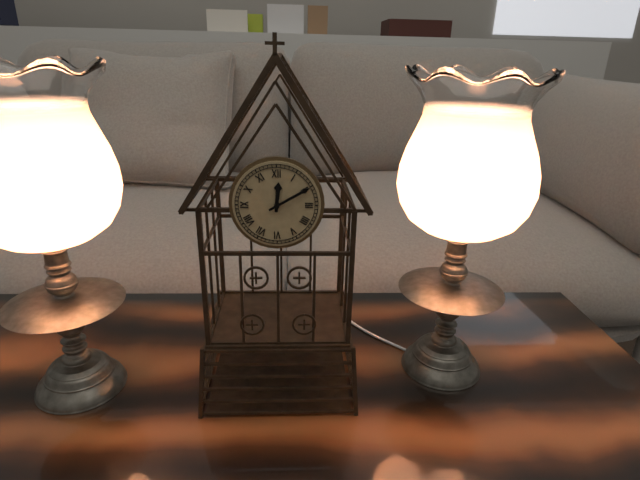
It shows 12:10
